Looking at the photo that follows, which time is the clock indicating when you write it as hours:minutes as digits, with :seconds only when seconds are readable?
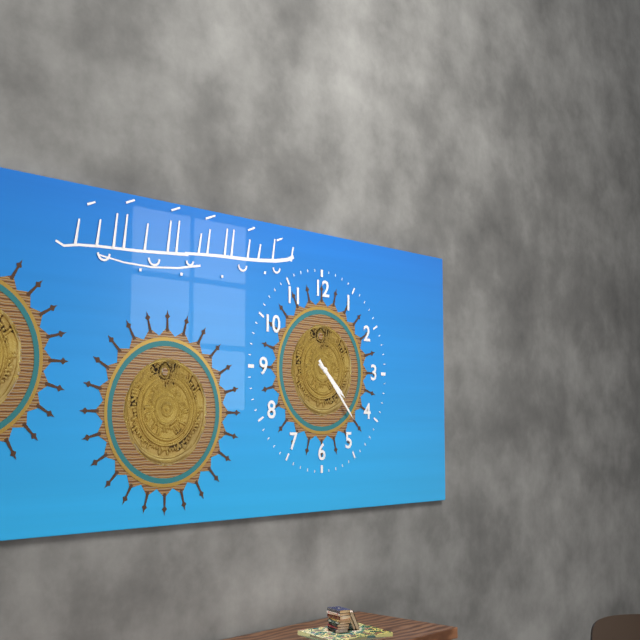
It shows 4:23
